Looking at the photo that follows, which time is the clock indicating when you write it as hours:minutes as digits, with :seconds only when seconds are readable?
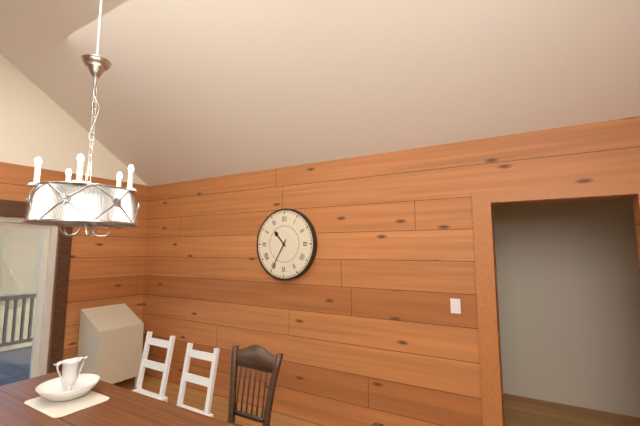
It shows 10:35
